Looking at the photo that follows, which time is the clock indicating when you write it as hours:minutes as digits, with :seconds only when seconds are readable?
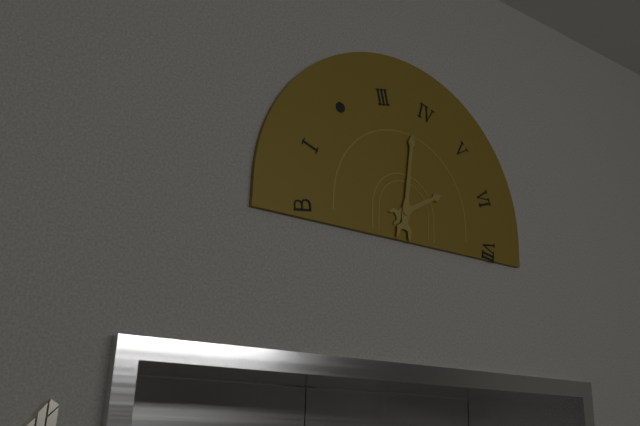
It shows 2:01
